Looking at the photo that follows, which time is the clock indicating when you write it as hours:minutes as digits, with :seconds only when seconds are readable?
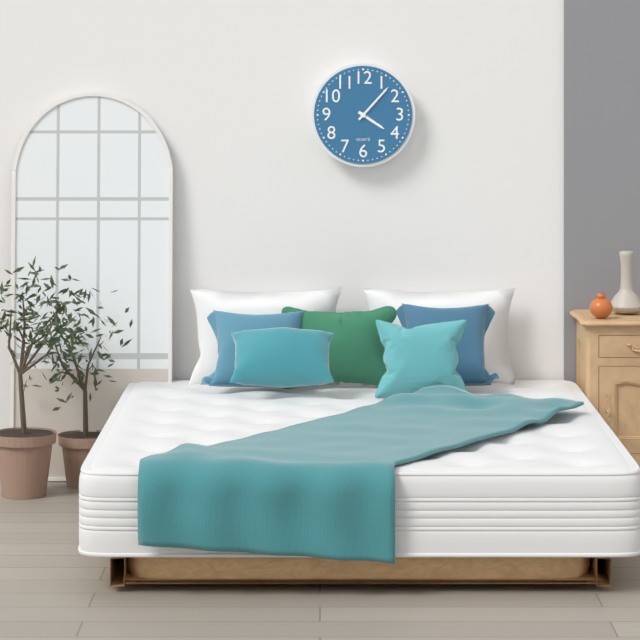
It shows 4:07
